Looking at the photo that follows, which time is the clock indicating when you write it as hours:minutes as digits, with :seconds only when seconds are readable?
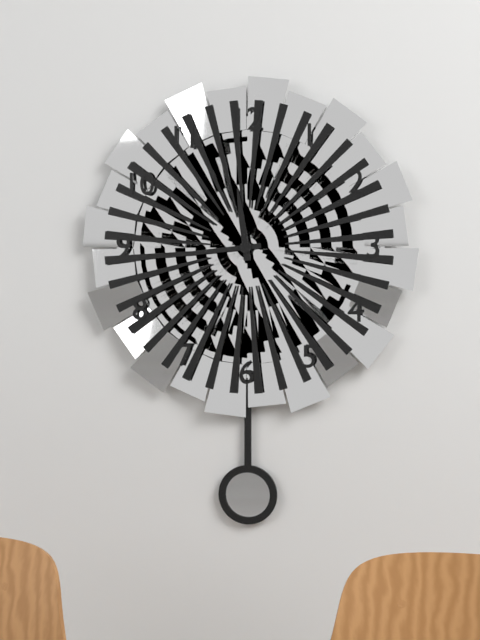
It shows 11:44
